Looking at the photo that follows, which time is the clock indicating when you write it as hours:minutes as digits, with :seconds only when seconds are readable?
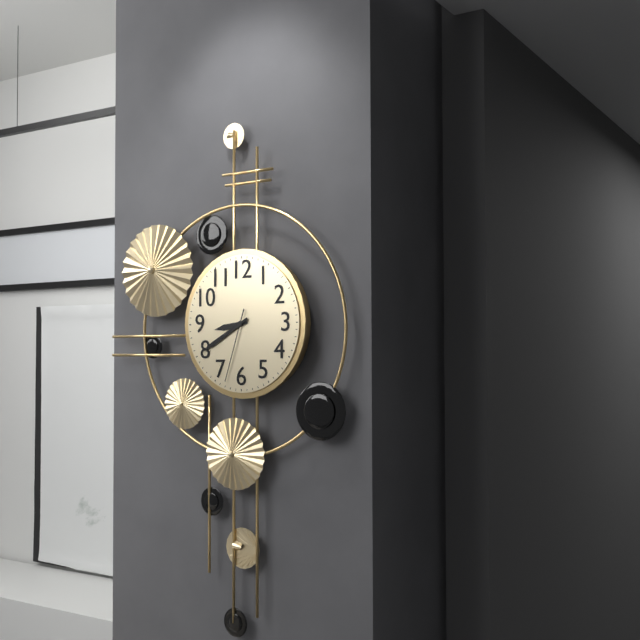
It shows 8:40:33
